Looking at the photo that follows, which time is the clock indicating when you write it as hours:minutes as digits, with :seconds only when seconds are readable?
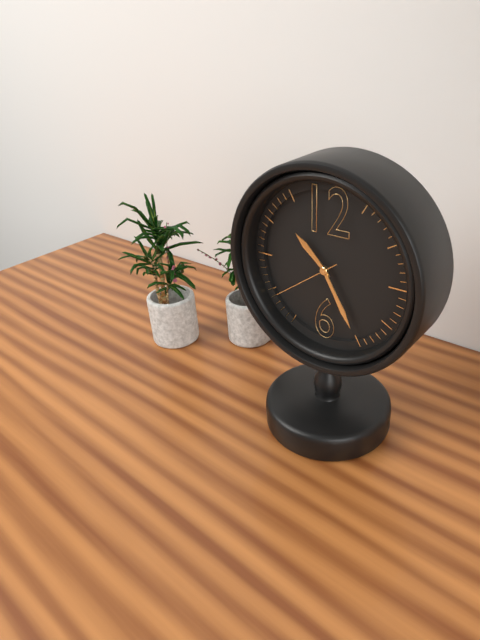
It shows 10:25:39
